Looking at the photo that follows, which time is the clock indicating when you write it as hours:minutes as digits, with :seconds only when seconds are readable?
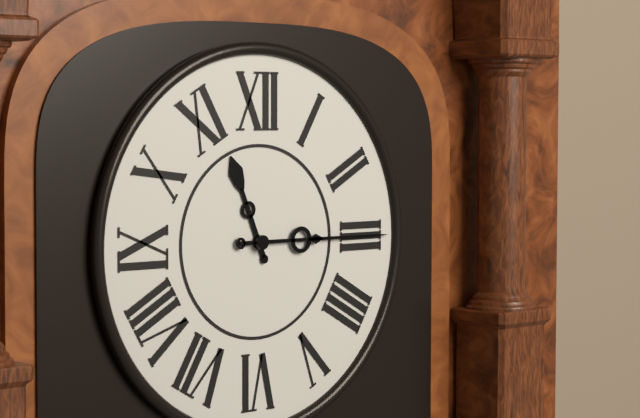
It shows 11:15
